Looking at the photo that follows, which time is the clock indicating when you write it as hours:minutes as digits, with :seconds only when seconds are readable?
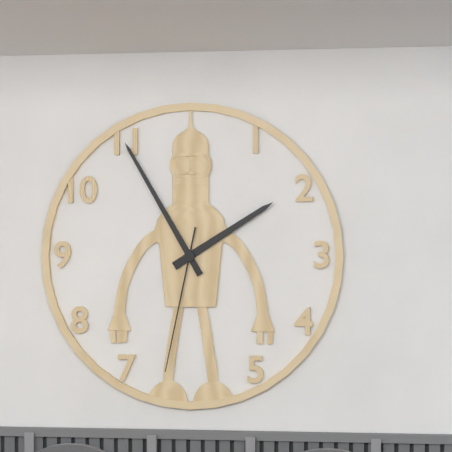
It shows 1:55:32
